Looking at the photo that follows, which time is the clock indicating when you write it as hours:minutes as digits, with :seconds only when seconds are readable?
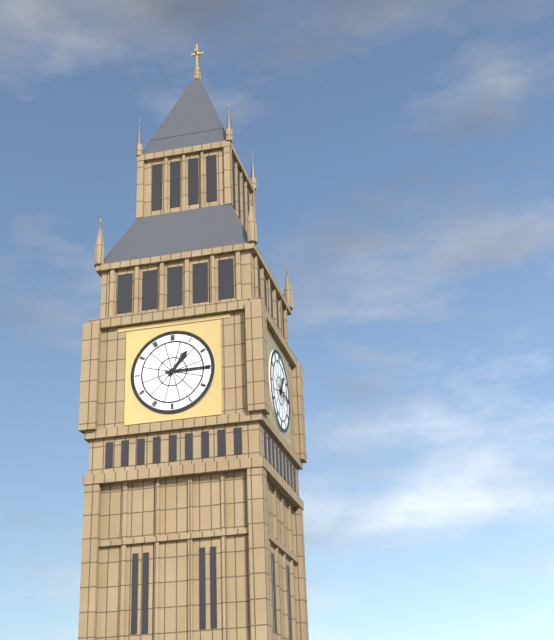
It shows 1:15
